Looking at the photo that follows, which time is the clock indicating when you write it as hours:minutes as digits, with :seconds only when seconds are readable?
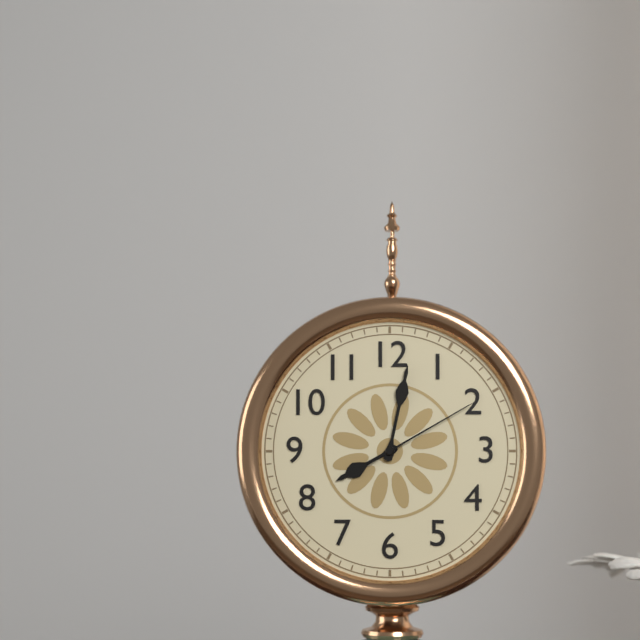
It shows 8:02:10
